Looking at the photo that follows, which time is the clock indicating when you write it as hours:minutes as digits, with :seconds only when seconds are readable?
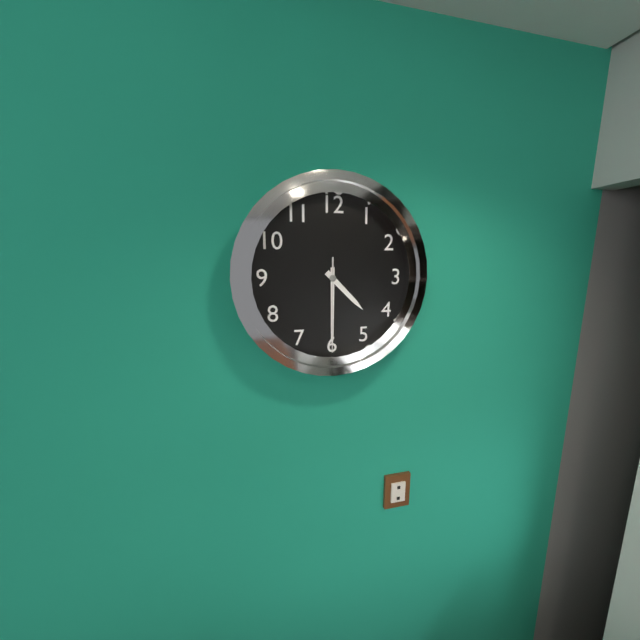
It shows 4:30:30
